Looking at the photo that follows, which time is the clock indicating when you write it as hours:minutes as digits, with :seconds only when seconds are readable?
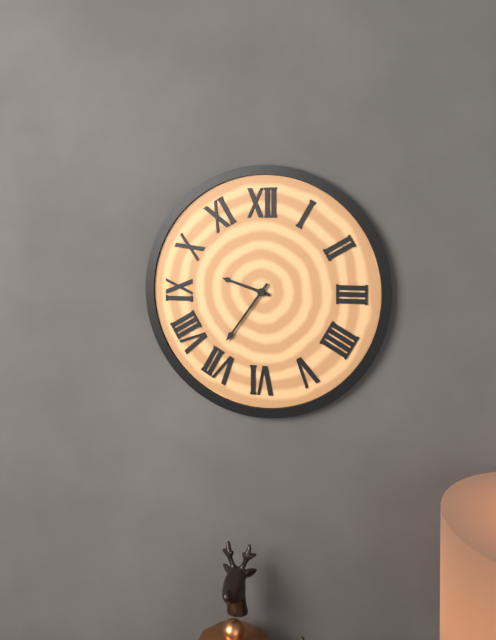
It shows 9:36
